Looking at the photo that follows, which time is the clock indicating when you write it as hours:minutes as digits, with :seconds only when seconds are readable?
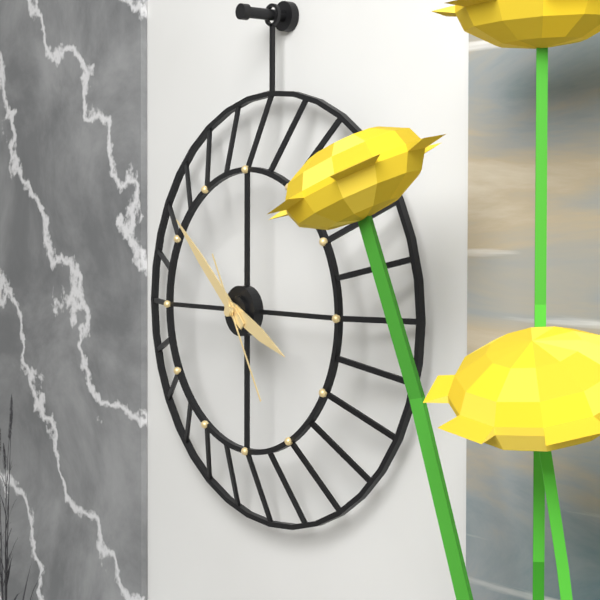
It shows 3:52:25
